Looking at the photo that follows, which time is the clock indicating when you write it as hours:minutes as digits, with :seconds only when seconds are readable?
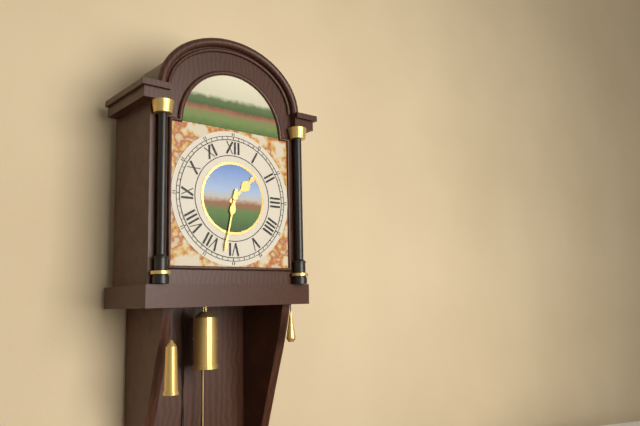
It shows 1:32
